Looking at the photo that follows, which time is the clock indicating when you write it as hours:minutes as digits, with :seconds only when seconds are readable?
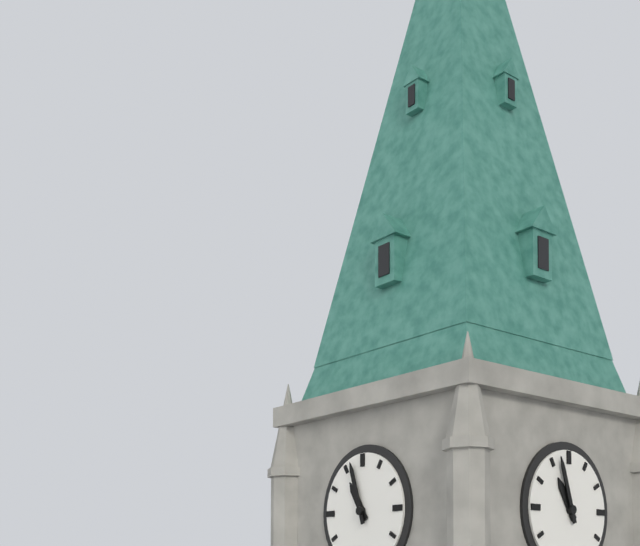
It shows 10:57
